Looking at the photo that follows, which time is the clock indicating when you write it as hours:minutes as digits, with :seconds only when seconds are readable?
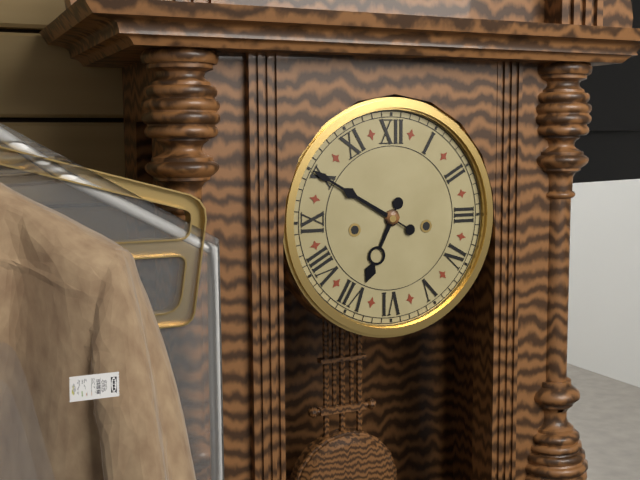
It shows 6:50
